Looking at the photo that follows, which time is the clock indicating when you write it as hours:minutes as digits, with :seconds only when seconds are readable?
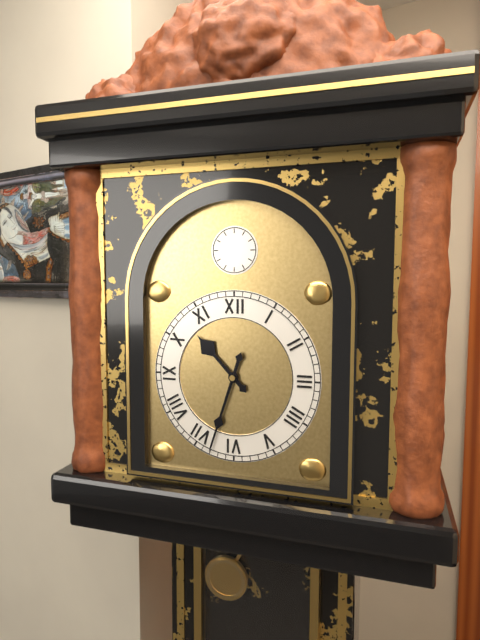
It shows 10:33
